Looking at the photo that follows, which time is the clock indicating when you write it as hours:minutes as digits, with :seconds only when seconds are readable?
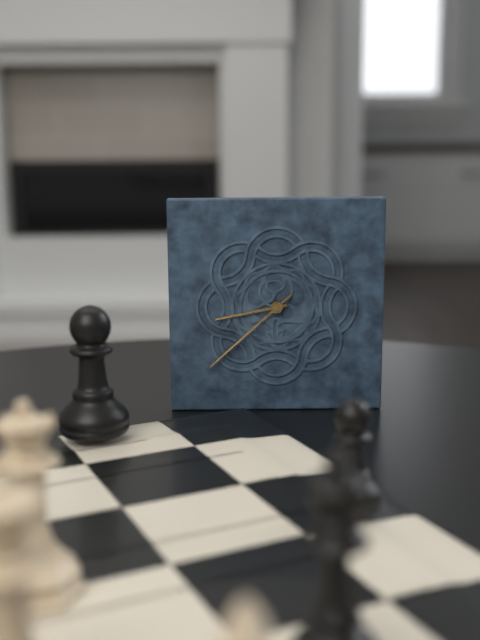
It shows 8:38
